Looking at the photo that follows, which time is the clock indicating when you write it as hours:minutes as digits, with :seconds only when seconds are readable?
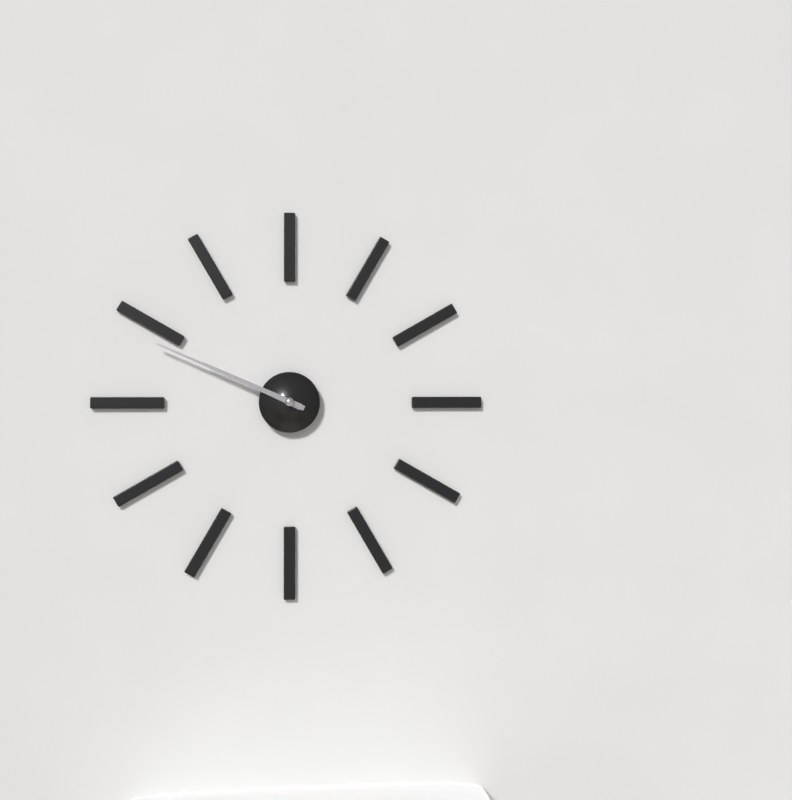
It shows 9:49
